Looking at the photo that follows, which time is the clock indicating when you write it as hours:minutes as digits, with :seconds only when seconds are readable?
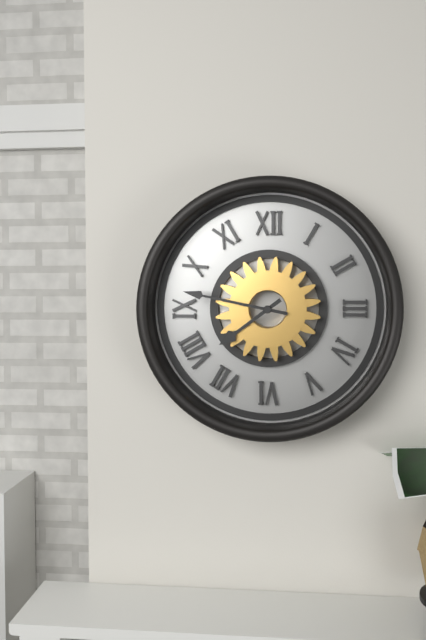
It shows 7:47
